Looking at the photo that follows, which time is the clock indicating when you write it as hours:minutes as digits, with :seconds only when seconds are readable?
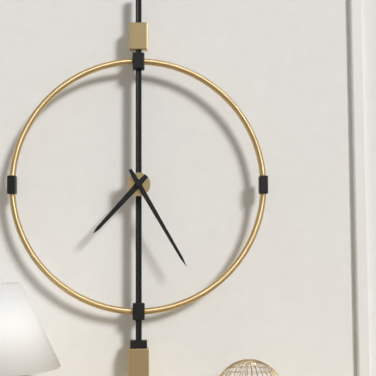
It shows 7:25
